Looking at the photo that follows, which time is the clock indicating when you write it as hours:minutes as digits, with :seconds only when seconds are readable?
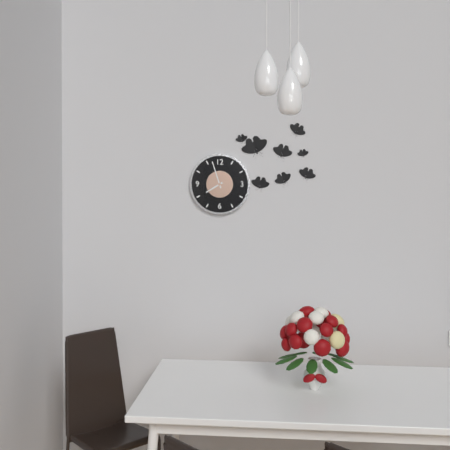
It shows 7:57
